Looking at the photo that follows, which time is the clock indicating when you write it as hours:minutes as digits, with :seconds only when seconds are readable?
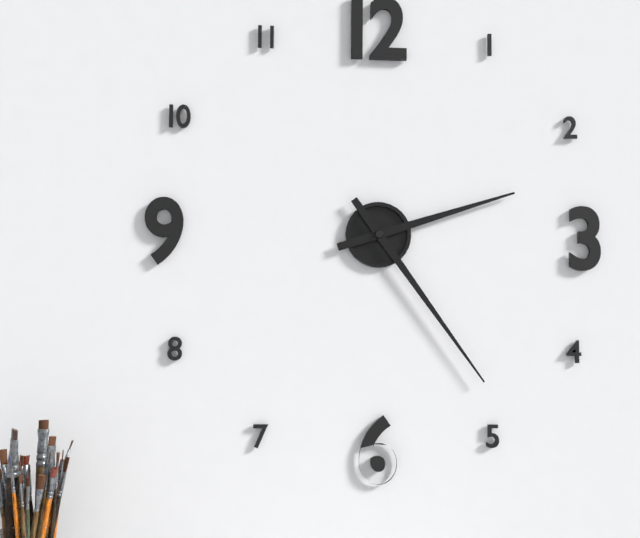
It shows 2:24
